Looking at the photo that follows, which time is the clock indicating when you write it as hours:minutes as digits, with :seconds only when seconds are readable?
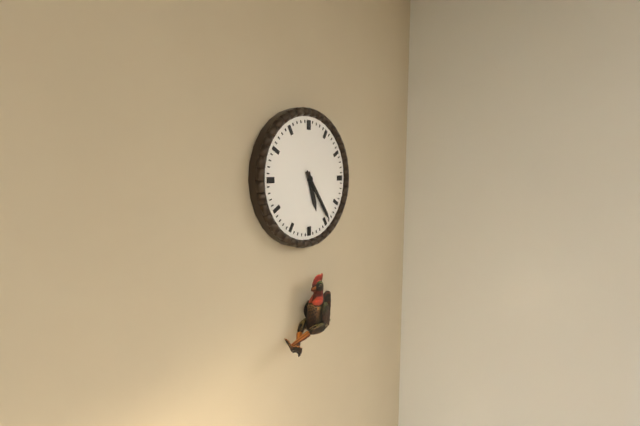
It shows 5:24
